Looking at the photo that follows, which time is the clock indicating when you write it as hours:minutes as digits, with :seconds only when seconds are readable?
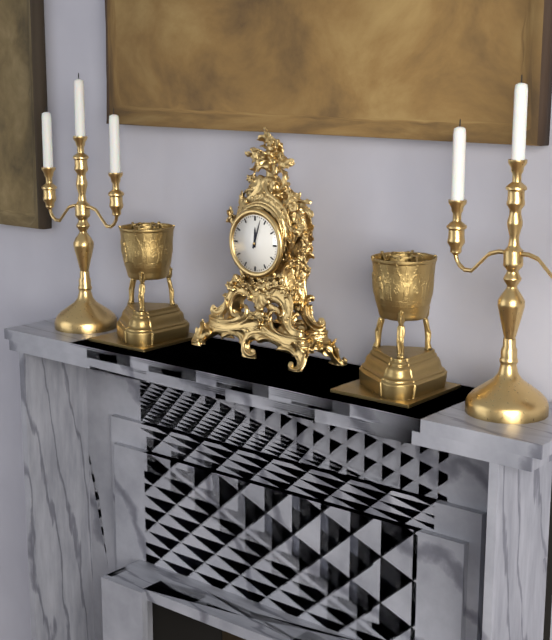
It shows 12:03
